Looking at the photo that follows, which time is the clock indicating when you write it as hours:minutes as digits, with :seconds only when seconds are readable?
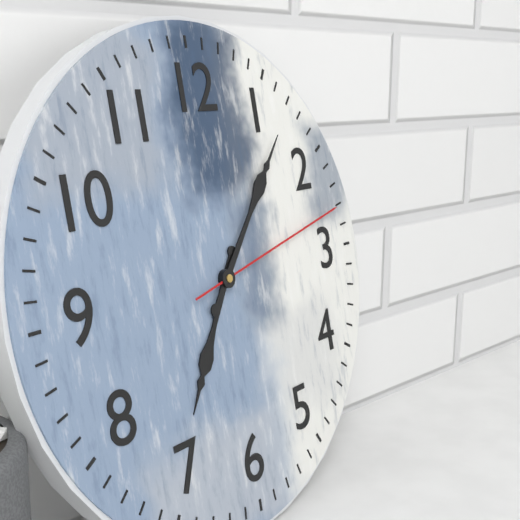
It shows 7:07:13
